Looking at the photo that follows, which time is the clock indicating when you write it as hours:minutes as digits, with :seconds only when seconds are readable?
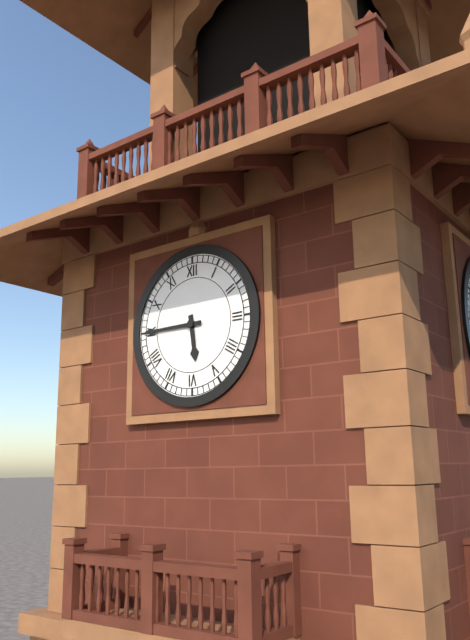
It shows 5:45
